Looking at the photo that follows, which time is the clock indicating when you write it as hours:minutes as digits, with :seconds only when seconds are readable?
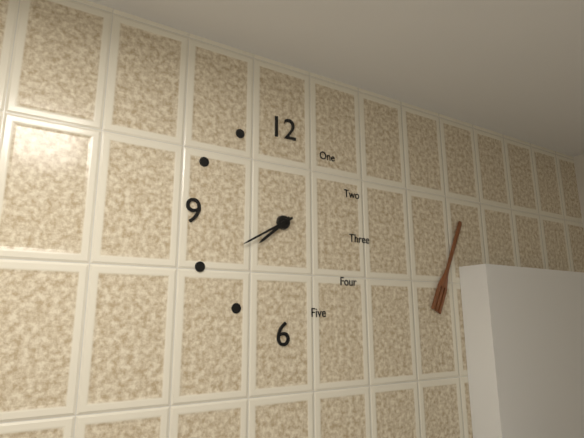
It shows 7:40
